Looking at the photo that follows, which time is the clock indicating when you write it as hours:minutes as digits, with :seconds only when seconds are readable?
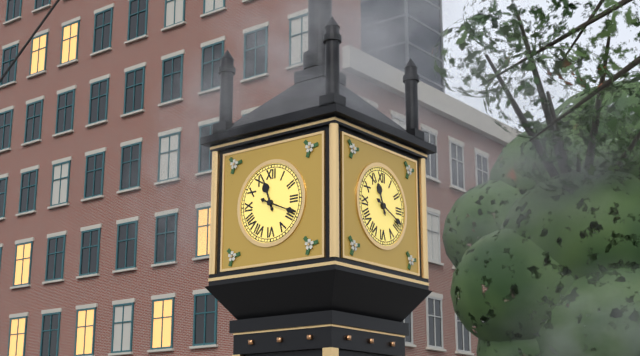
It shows 11:19
